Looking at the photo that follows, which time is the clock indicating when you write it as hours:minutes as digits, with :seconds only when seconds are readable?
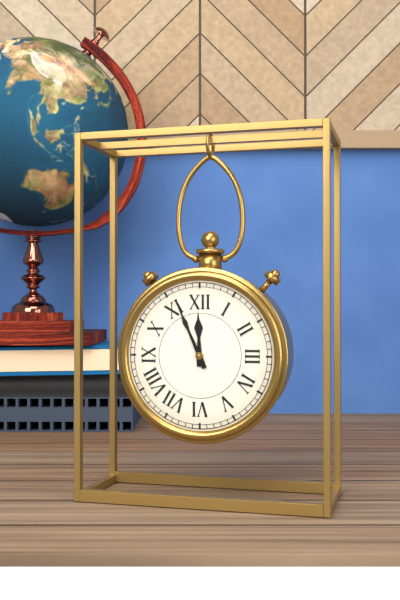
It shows 11:56
